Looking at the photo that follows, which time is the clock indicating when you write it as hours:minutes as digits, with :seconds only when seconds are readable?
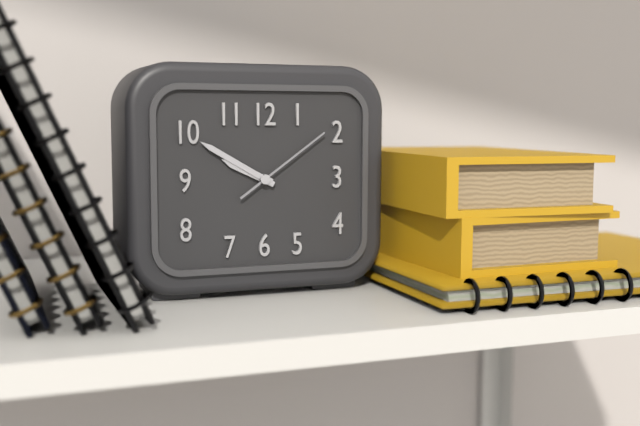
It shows 9:50:09
